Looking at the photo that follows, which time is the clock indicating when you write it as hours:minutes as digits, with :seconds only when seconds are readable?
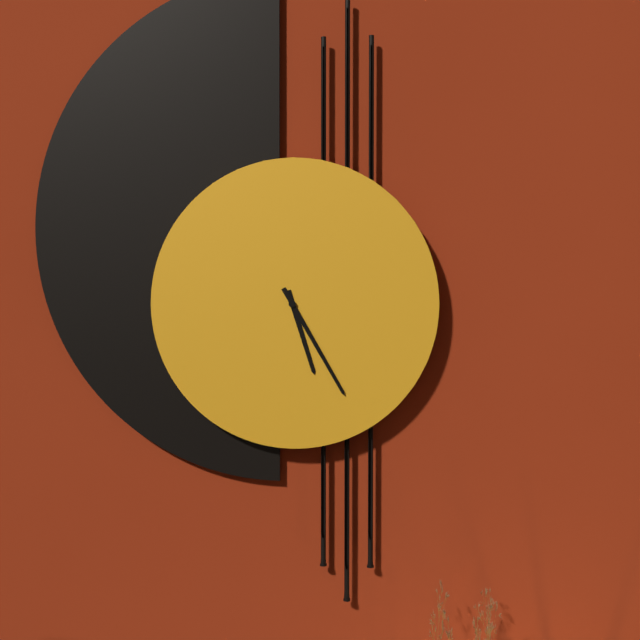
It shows 5:25
